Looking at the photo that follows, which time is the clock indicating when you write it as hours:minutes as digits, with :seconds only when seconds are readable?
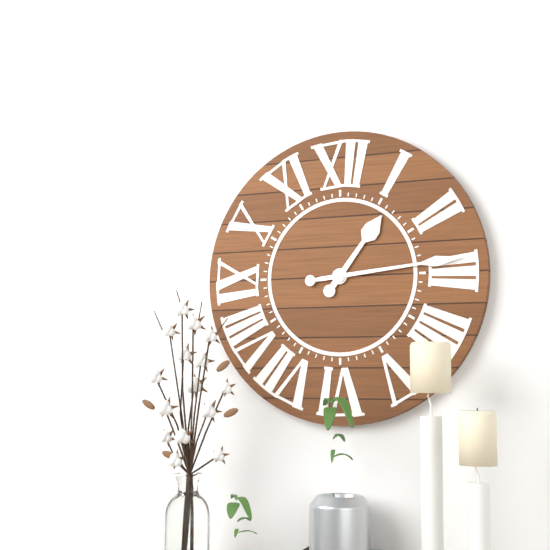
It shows 1:14
